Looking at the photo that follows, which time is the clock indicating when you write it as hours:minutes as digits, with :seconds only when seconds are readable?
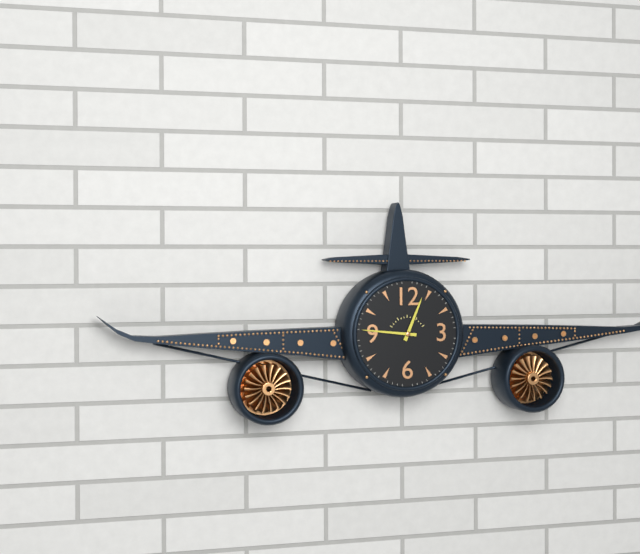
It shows 12:46
